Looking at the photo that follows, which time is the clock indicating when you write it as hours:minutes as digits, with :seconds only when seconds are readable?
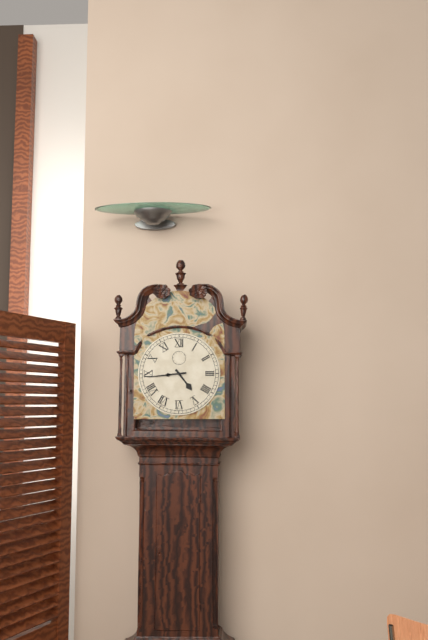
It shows 4:44
